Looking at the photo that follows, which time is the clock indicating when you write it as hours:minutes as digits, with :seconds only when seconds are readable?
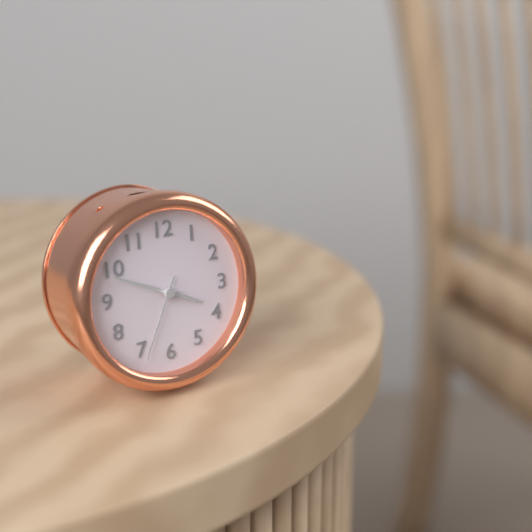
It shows 3:49:34
